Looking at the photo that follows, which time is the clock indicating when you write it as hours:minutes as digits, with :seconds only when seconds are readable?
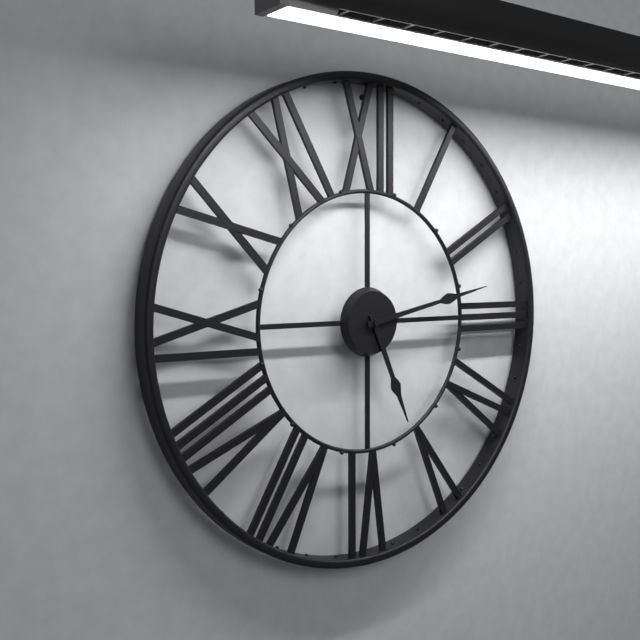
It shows 5:13
